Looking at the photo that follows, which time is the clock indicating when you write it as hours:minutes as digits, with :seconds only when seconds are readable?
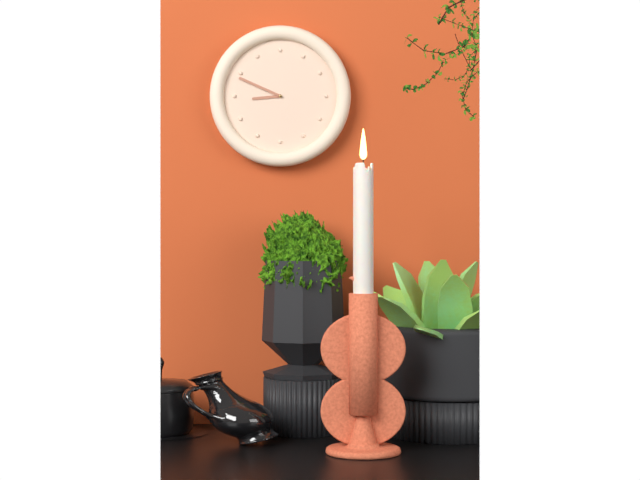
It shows 8:49
